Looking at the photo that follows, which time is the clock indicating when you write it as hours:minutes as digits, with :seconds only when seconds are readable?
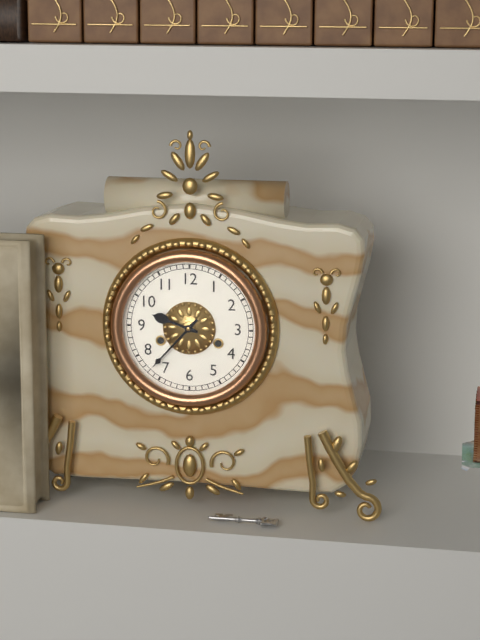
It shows 9:37
